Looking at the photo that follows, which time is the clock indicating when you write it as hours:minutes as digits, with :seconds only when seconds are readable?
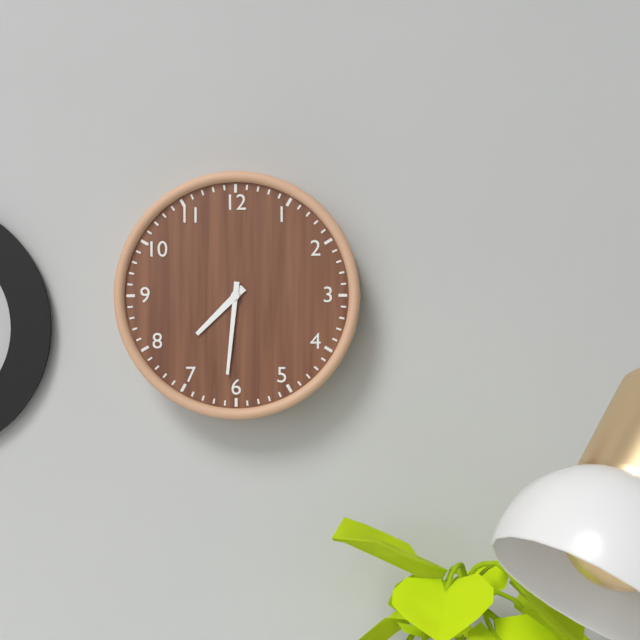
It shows 7:31
